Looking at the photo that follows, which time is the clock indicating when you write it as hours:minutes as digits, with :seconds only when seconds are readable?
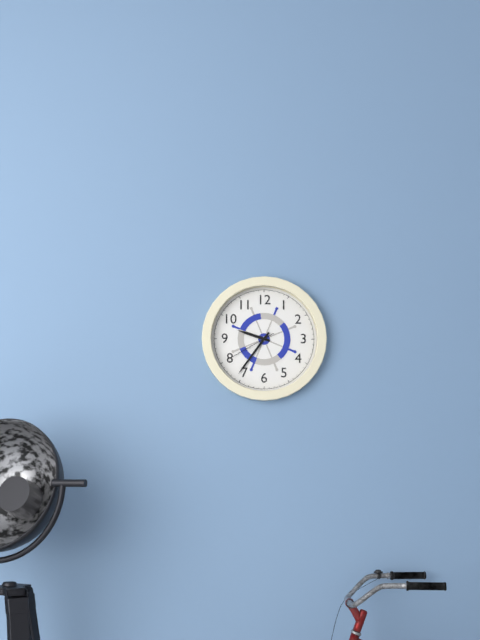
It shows 9:36:40
